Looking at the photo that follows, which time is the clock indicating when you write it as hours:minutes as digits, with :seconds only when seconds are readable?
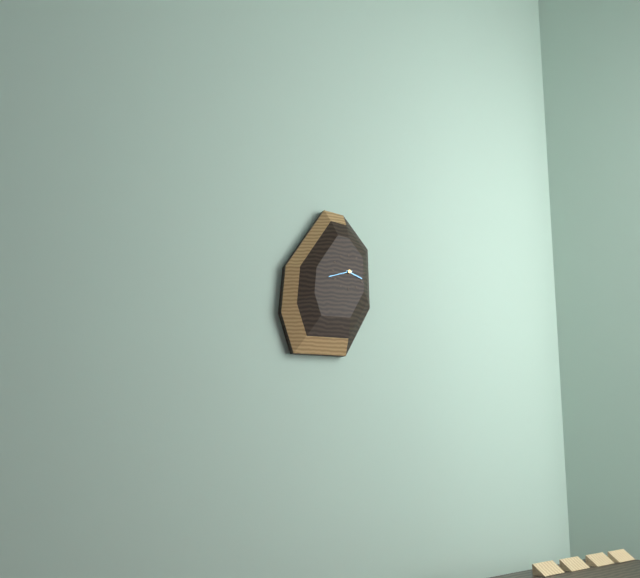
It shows 3:42
